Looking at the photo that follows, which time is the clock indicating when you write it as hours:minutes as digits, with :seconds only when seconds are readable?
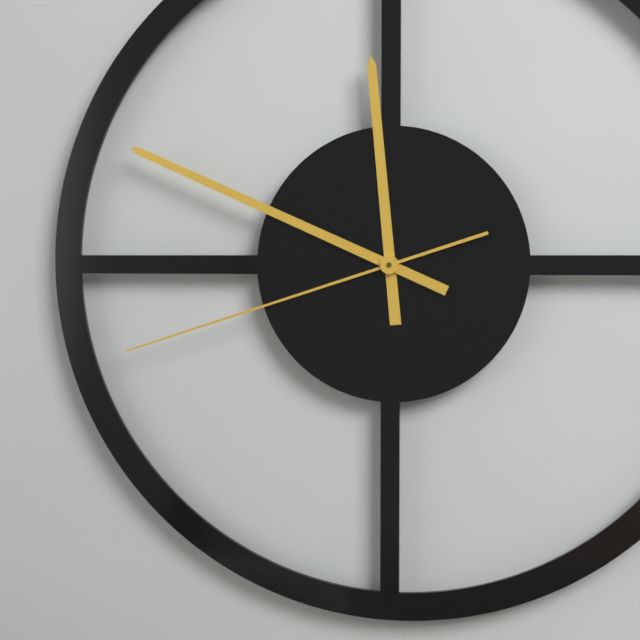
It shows 11:49:42
